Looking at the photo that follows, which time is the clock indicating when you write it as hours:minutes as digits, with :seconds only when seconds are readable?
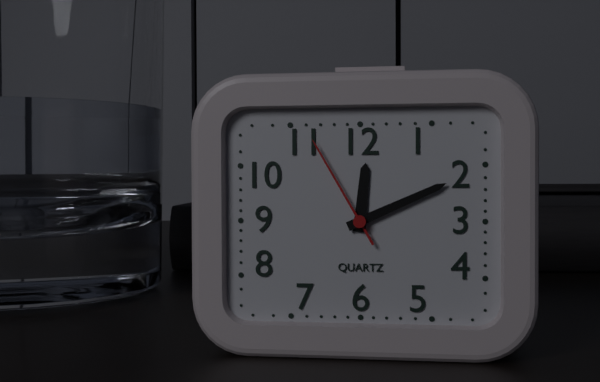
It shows 12:11:55
